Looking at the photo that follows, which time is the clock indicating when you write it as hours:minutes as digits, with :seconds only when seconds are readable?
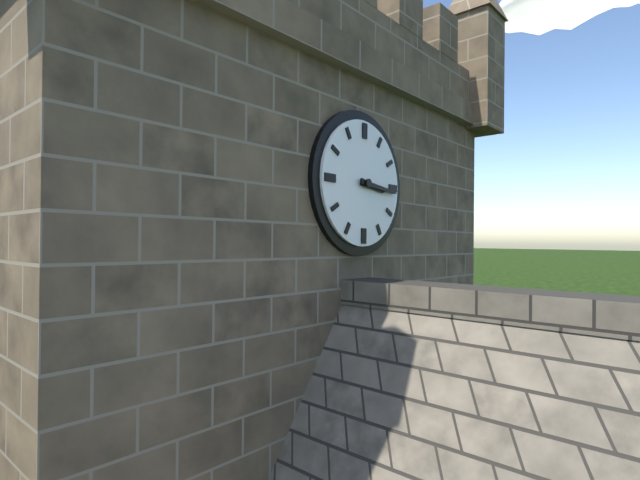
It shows 3:16
